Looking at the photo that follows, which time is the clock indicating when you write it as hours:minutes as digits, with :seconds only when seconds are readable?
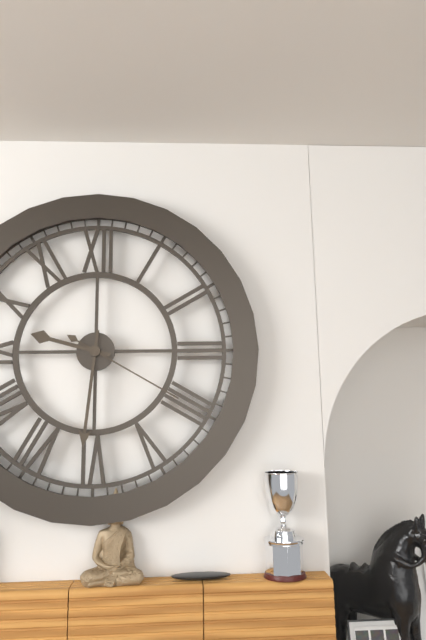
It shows 9:31:20
